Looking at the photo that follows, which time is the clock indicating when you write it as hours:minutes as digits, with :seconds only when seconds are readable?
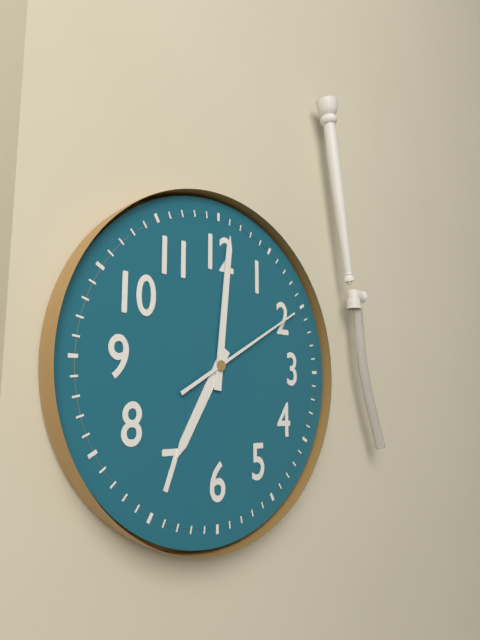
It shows 7:01:10
